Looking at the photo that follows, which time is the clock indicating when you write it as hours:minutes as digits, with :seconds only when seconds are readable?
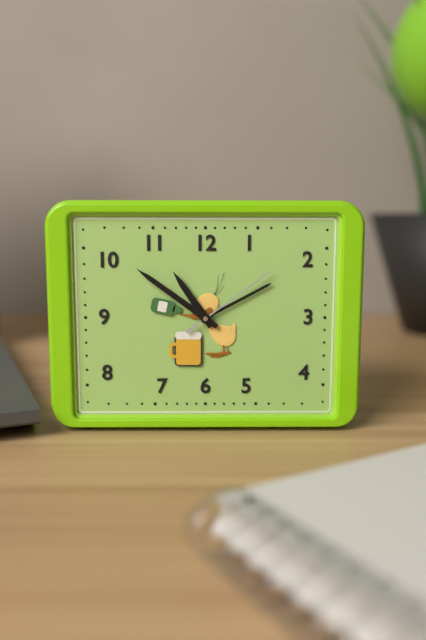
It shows 10:51:09
